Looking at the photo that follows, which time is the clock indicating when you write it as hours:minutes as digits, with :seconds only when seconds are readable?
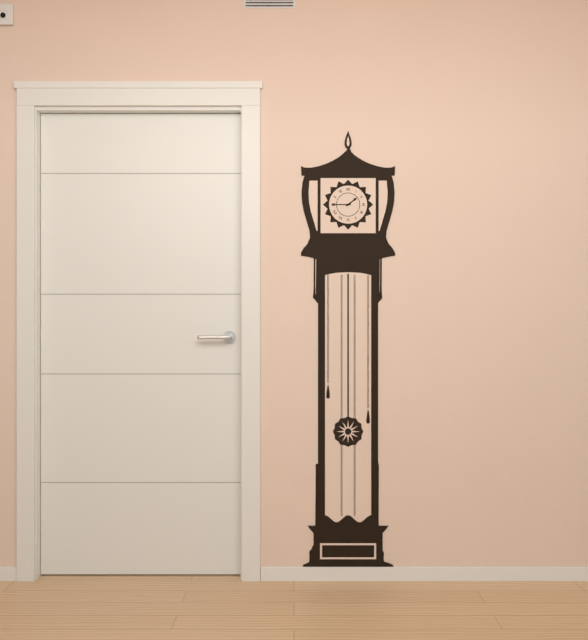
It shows 1:45
